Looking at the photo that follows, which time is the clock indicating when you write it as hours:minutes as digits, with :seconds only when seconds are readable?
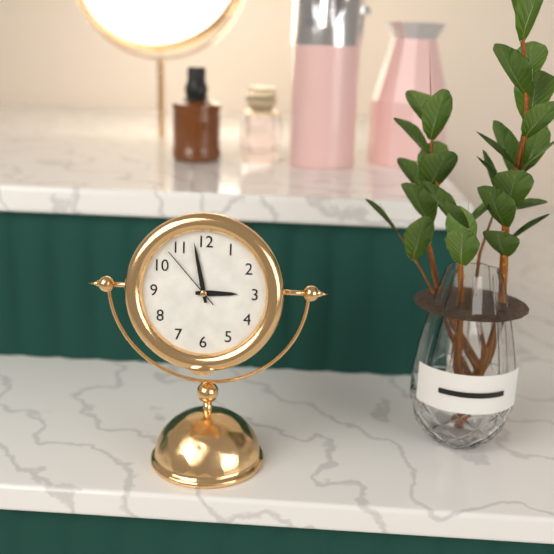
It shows 2:58:53
